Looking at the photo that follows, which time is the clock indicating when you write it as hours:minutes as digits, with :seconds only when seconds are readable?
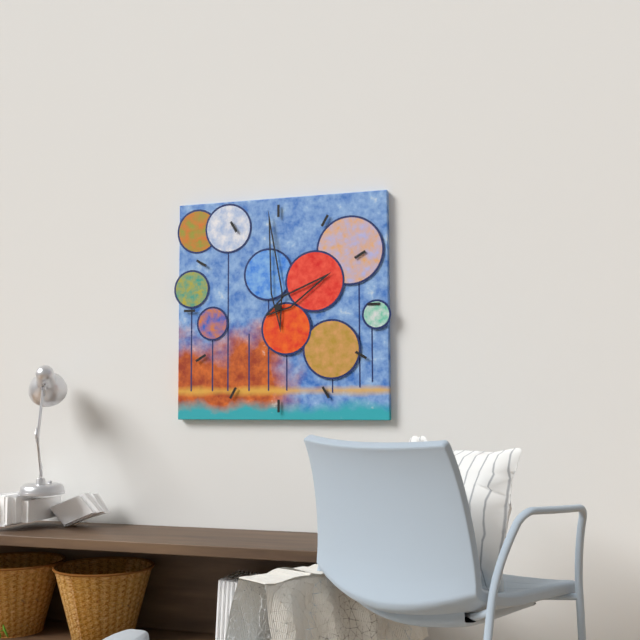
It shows 1:59
